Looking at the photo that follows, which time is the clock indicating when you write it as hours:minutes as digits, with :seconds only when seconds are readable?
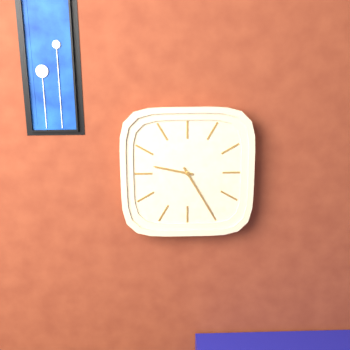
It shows 9:25
